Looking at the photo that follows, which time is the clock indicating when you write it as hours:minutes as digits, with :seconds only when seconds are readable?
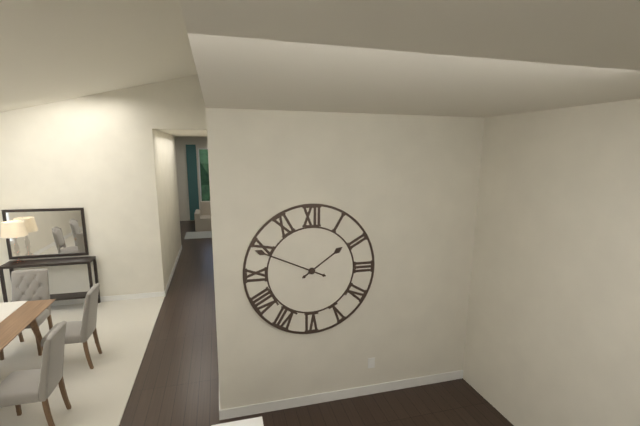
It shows 1:49
